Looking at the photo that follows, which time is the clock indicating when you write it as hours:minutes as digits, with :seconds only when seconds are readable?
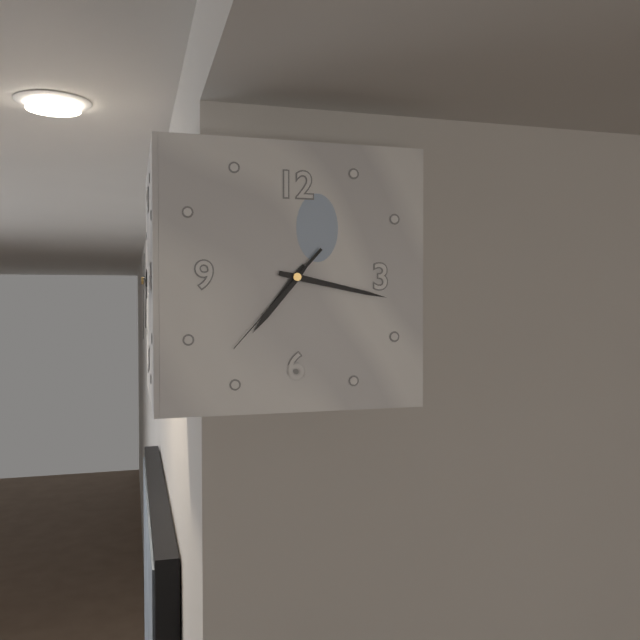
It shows 7:17:37
